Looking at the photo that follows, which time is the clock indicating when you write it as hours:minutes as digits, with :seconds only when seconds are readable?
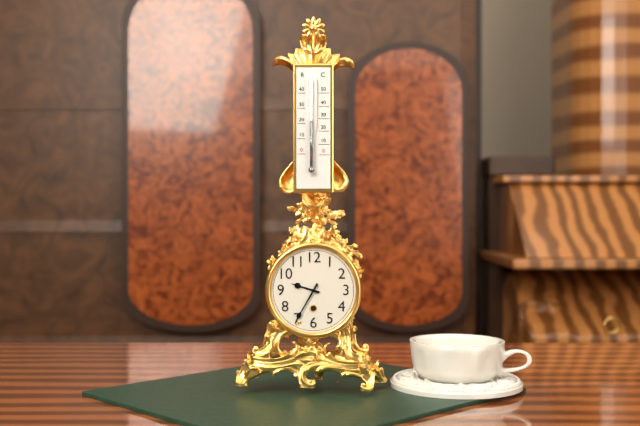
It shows 9:35
